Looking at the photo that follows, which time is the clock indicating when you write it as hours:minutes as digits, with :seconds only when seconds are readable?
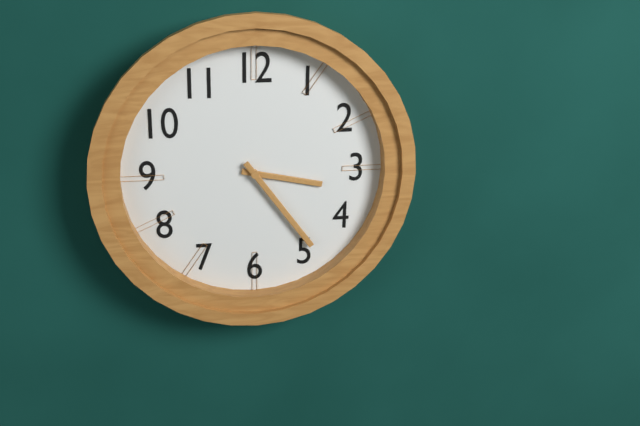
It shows 3:24
